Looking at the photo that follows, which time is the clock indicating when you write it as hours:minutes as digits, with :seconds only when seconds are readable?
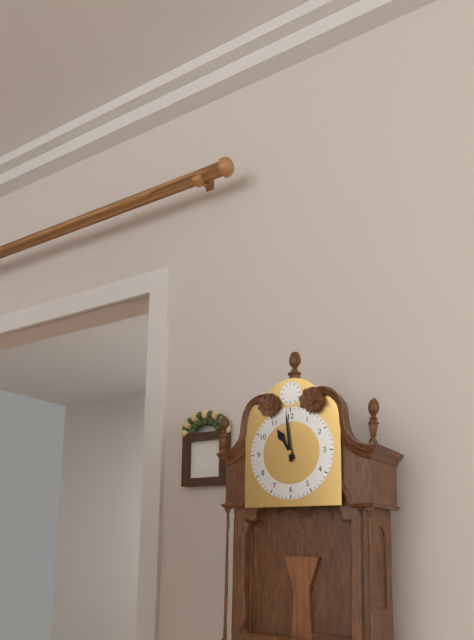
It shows 10:59
